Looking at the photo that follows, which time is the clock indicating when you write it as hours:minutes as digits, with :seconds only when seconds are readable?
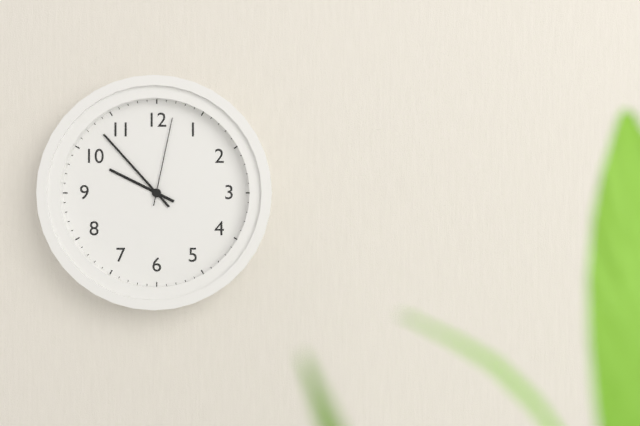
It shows 9:53:02
